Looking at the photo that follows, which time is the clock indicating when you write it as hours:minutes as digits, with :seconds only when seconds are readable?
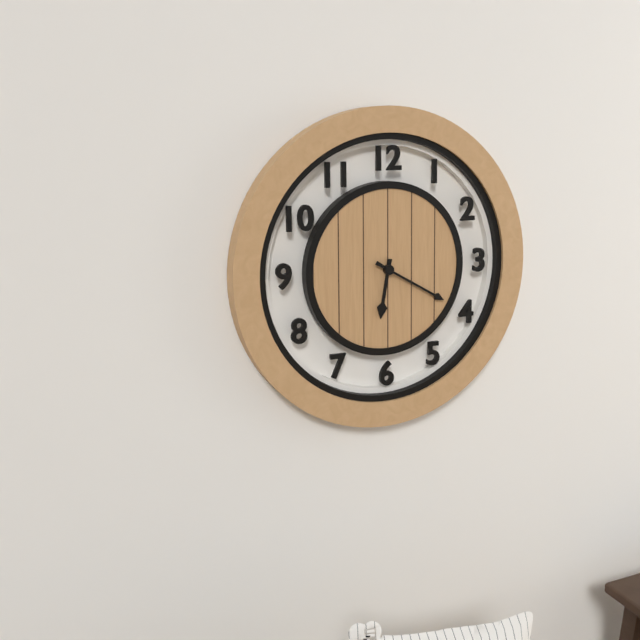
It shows 6:20
